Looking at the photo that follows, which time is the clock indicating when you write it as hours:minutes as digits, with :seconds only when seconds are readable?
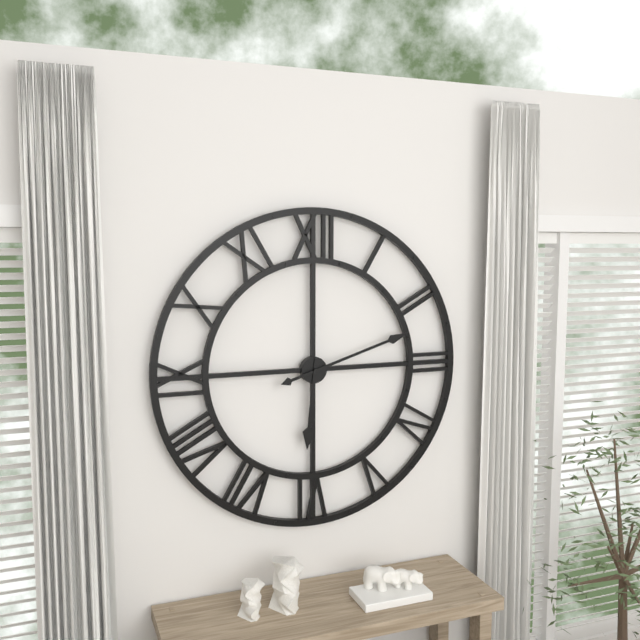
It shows 6:12
